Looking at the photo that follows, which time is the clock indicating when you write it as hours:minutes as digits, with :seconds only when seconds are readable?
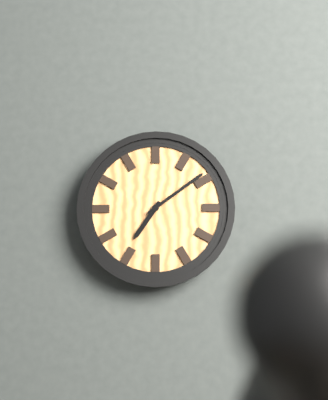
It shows 7:09
